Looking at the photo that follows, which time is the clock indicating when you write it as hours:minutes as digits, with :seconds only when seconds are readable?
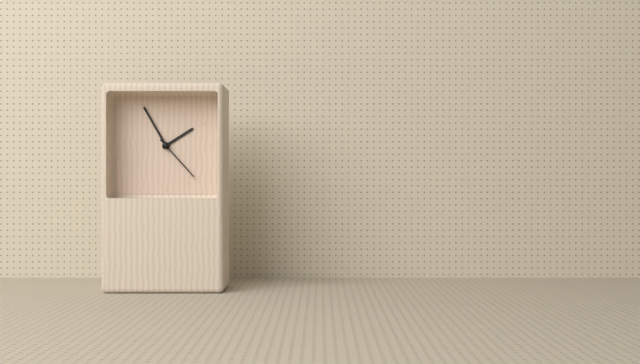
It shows 1:55:23
